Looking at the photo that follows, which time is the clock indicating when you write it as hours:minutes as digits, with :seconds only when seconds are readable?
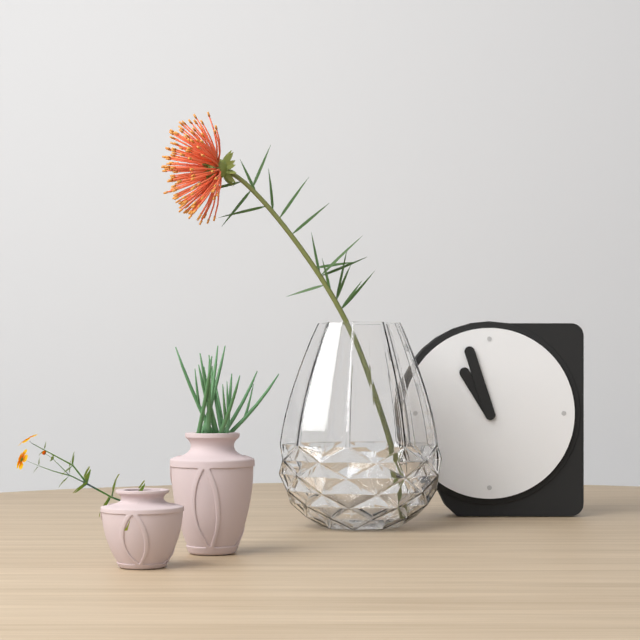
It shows 10:57
